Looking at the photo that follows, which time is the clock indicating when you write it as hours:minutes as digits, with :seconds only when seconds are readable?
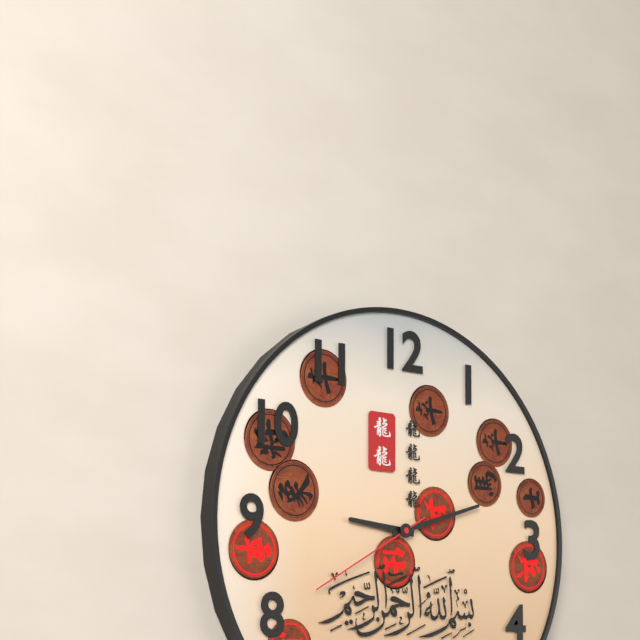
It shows 9:12:40
